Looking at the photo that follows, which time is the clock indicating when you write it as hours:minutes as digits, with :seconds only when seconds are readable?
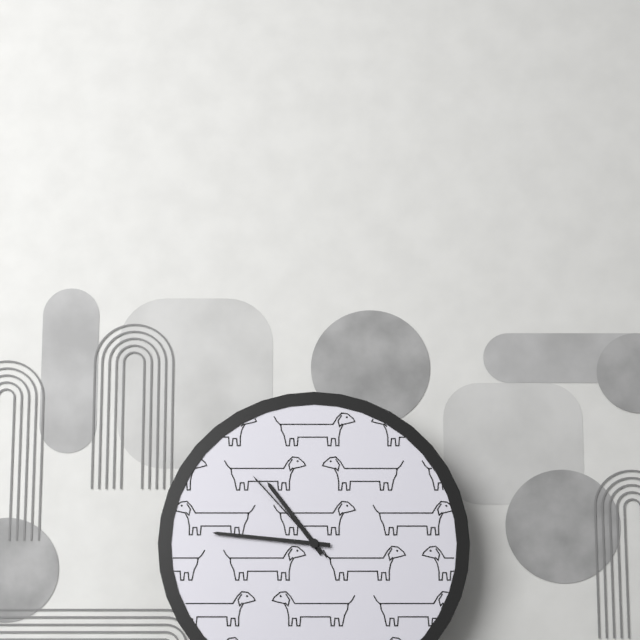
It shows 10:46:53
